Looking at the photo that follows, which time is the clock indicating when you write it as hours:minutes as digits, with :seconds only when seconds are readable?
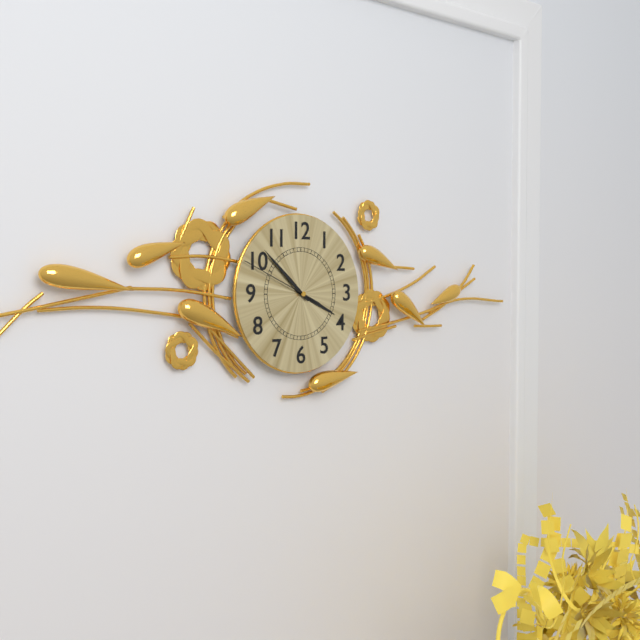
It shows 3:52:49
